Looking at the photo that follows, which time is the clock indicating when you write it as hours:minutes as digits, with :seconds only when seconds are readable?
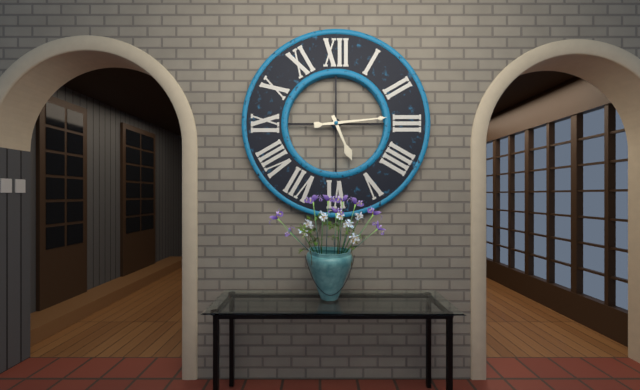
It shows 5:14
